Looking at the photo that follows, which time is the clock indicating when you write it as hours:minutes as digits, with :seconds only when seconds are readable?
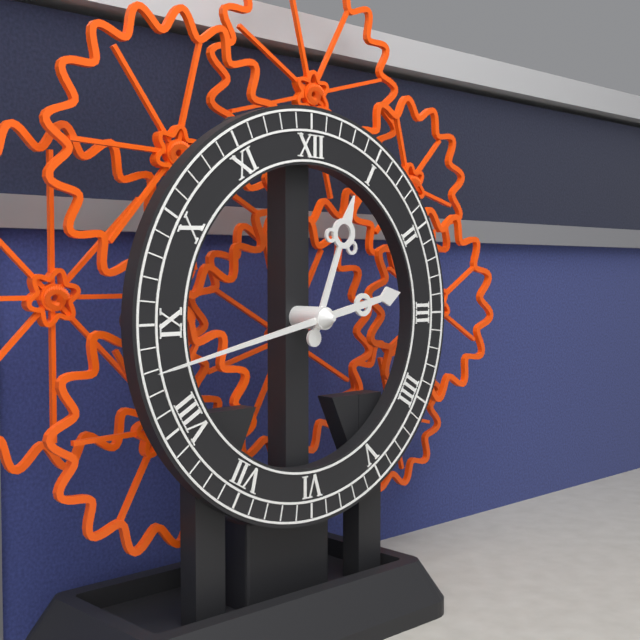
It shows 12:43
